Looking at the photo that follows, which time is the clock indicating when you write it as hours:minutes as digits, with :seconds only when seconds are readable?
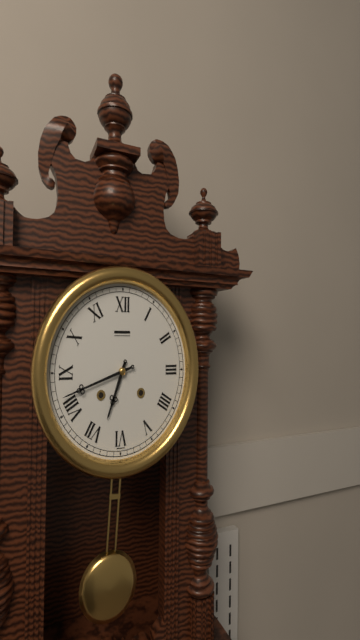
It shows 6:42
